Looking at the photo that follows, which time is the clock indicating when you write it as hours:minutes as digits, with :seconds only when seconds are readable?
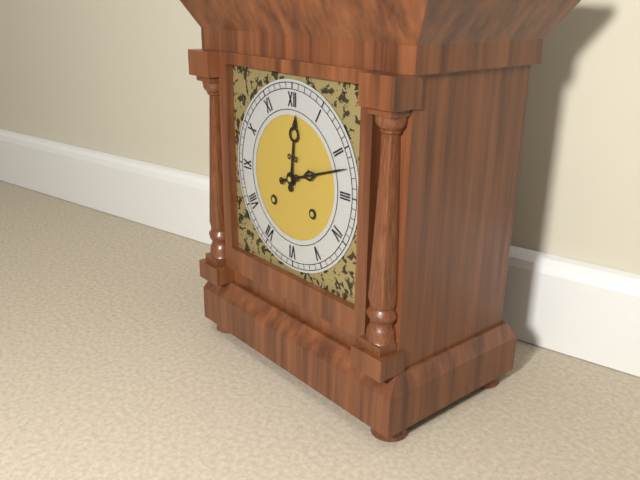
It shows 12:12
